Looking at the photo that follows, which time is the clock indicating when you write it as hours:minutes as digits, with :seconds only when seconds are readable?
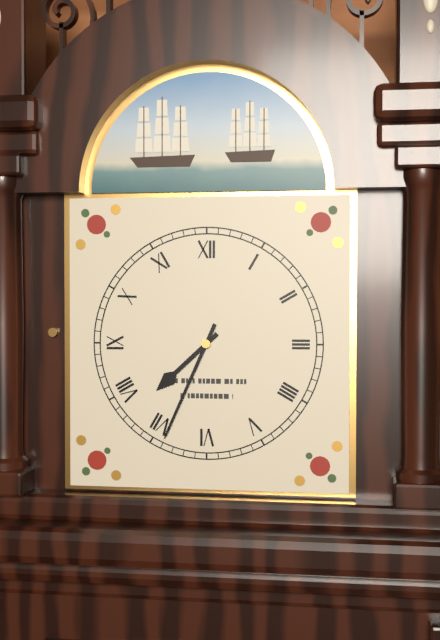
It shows 7:34
